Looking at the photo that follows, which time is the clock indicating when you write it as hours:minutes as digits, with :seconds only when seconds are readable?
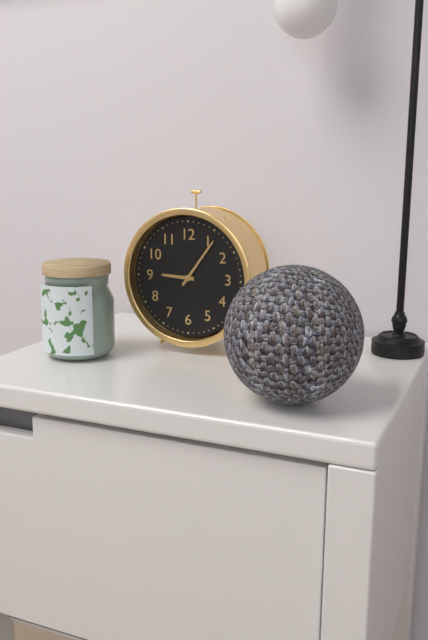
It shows 9:06
